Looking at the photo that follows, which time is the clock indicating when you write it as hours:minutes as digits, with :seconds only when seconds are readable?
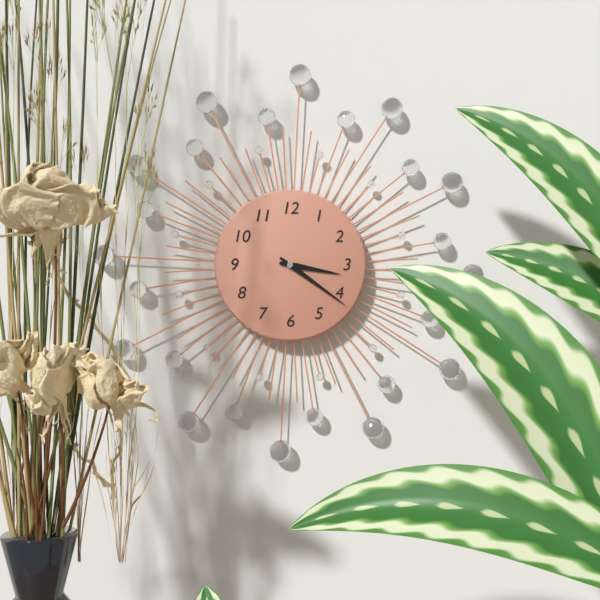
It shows 3:21
